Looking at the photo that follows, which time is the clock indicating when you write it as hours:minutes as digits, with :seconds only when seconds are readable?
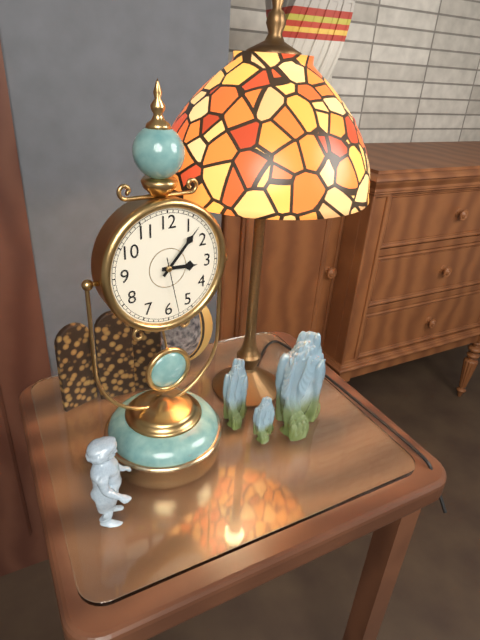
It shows 3:07:28
